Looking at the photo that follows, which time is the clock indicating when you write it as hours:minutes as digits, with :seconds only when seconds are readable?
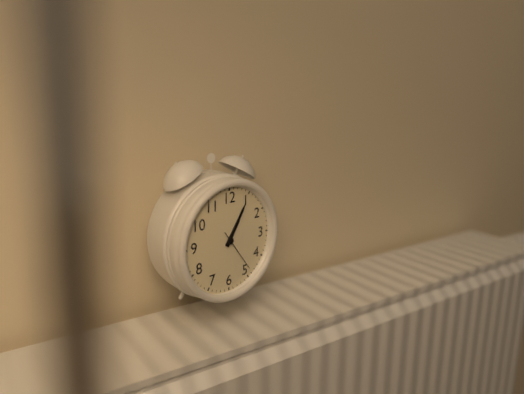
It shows 1:05
